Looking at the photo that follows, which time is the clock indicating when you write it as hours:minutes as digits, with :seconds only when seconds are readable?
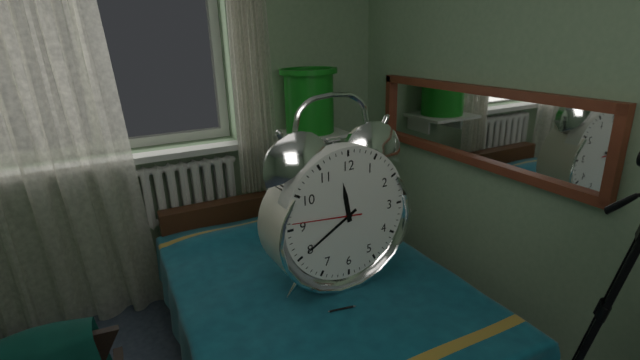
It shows 11:40:46
